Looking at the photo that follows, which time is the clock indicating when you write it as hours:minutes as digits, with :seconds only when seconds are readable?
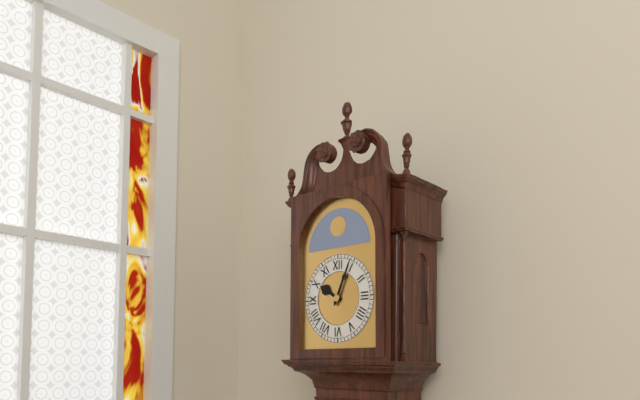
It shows 10:04
